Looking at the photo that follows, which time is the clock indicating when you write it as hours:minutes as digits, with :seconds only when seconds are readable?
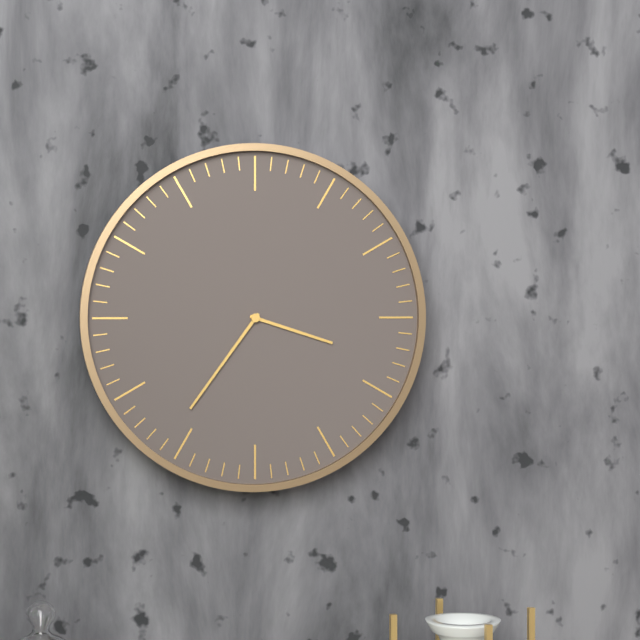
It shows 3:36
